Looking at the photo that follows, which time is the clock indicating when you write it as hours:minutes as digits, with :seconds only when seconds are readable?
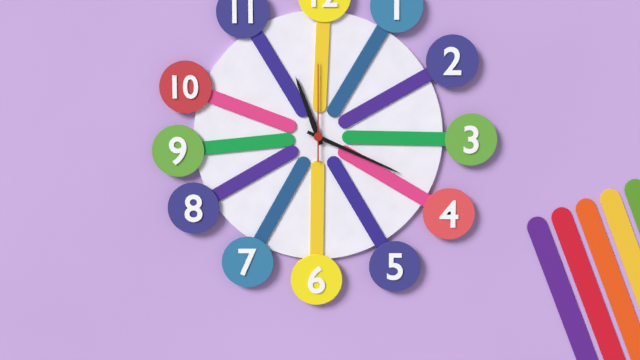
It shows 11:19:00
